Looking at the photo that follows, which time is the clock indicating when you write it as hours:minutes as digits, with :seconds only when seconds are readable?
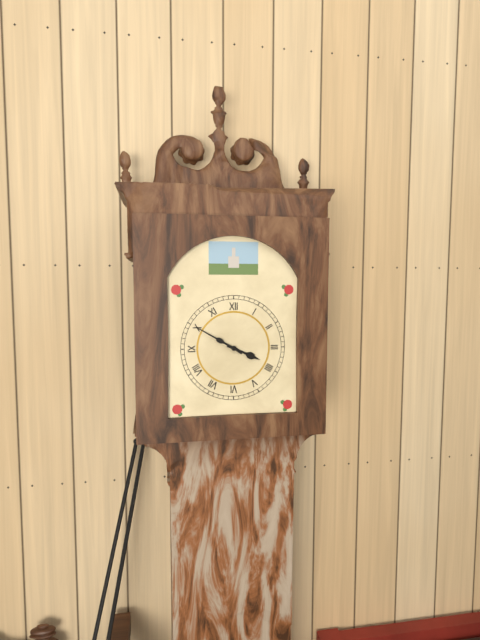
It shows 3:50
